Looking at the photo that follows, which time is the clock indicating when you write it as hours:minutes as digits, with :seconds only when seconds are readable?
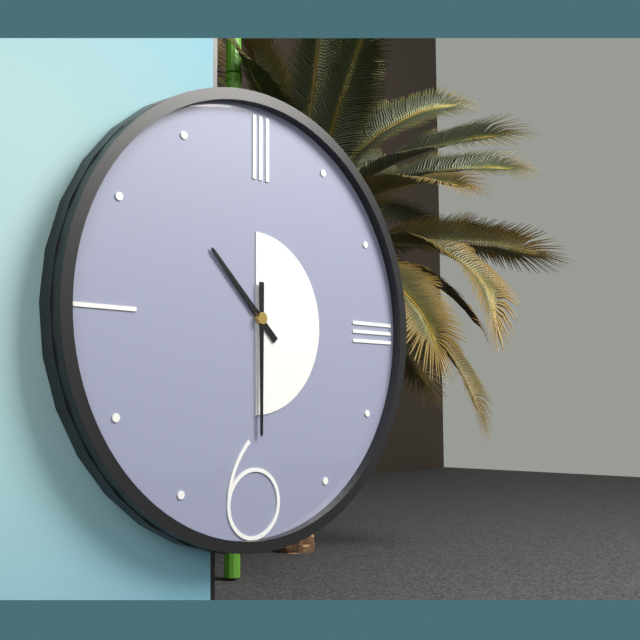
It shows 10:30
